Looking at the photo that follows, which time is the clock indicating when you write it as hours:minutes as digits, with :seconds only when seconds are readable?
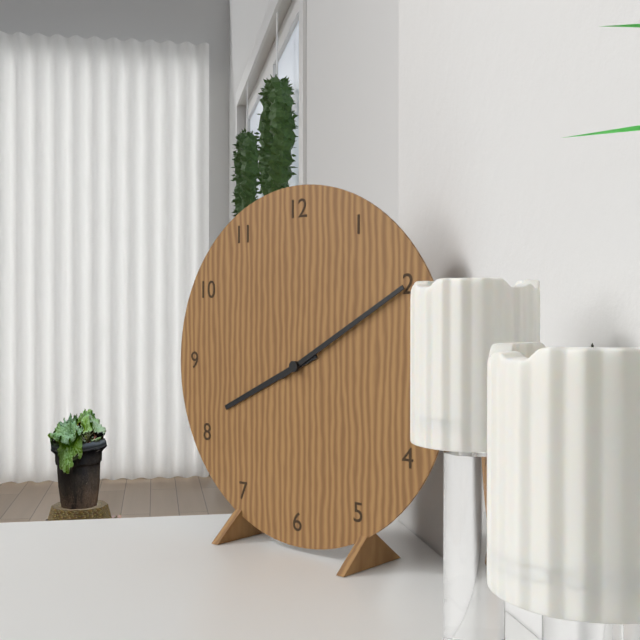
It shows 8:10
